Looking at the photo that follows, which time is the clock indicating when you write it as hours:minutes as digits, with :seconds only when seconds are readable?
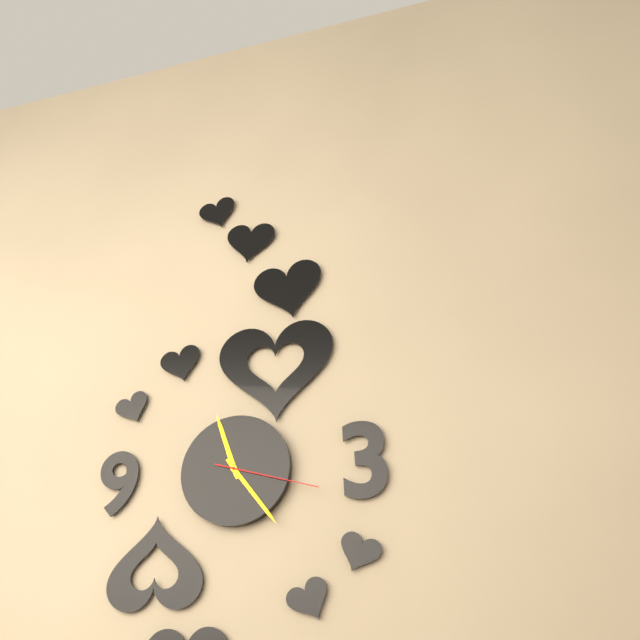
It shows 11:24:18
